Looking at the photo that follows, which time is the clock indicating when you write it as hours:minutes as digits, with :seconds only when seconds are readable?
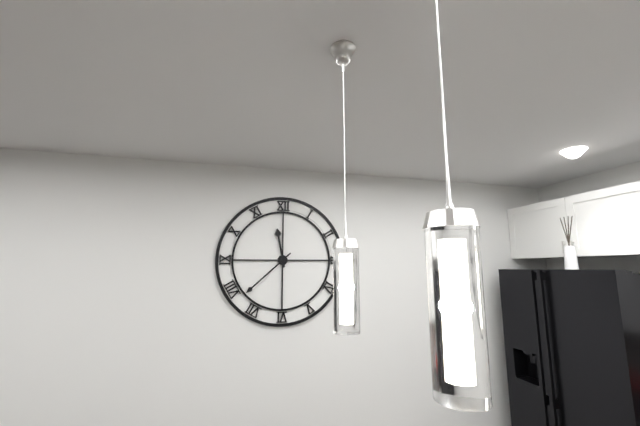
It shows 11:38
